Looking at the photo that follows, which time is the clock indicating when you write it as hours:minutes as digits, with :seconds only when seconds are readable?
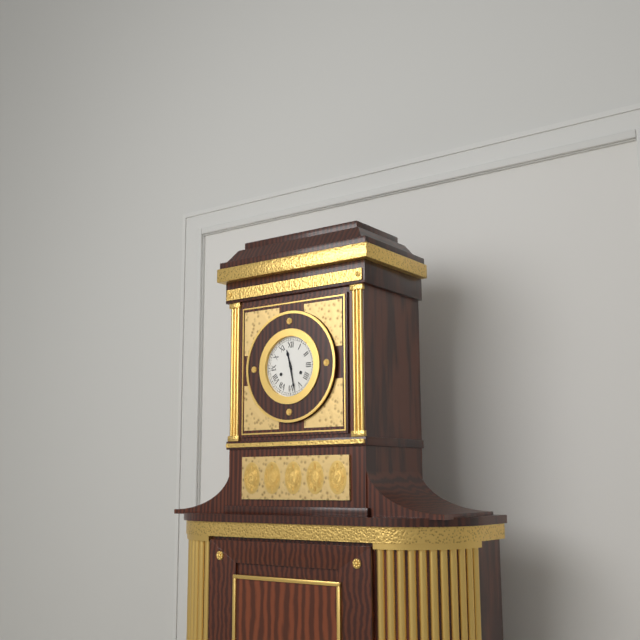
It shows 11:28
